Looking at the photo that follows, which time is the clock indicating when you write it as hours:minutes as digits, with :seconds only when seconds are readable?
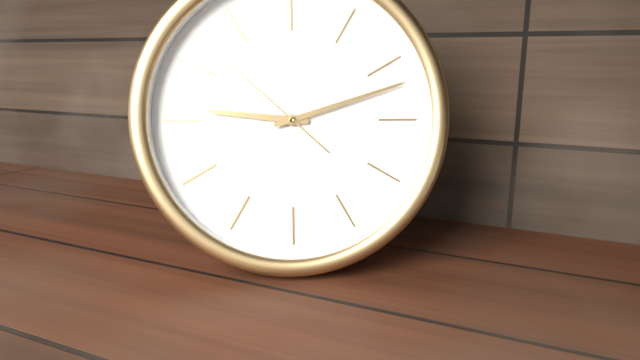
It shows 9:12:52
